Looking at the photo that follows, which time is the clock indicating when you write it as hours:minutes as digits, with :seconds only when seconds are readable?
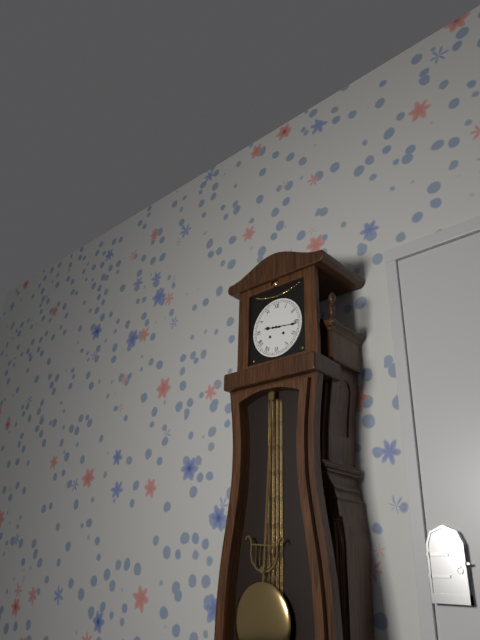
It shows 9:16
